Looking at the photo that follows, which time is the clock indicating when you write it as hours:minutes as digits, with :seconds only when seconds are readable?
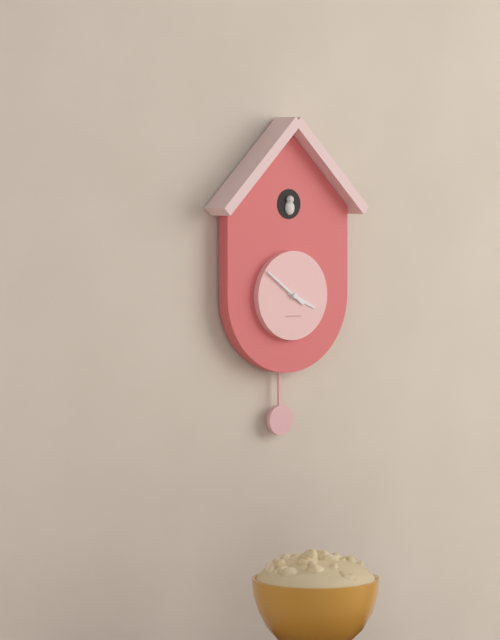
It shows 3:51
